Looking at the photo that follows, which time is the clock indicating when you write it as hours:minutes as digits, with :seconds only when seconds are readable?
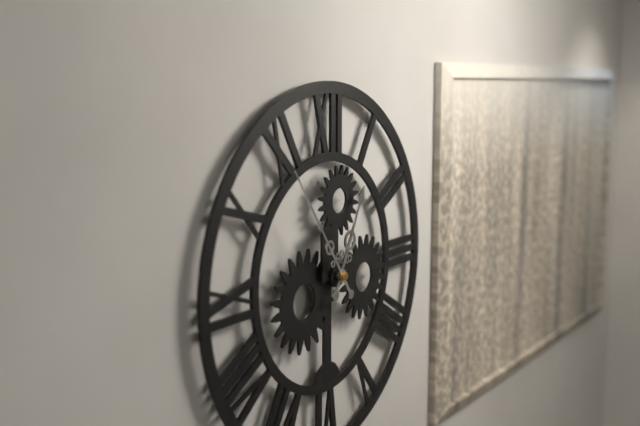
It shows 12:54
